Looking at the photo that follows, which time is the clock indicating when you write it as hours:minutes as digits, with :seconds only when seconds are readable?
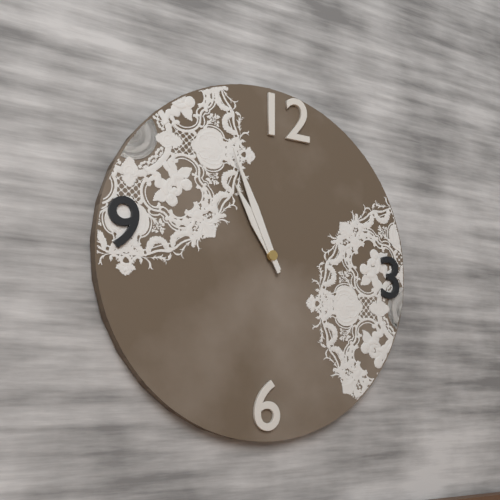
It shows 10:56
